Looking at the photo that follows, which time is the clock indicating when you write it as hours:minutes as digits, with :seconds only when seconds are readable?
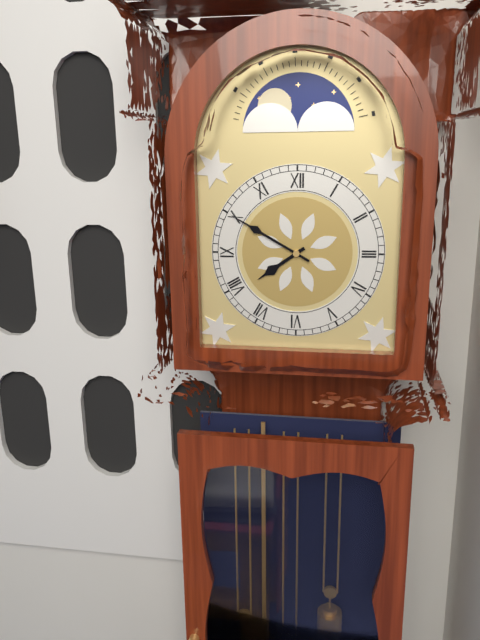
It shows 7:50
